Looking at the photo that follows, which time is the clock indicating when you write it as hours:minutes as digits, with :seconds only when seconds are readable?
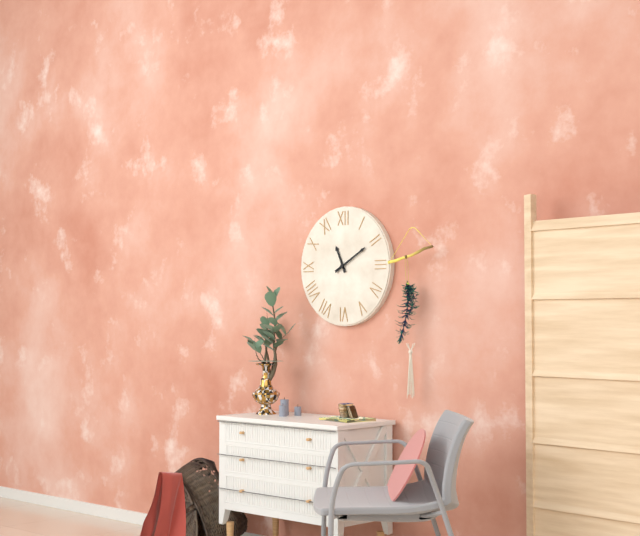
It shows 11:10
